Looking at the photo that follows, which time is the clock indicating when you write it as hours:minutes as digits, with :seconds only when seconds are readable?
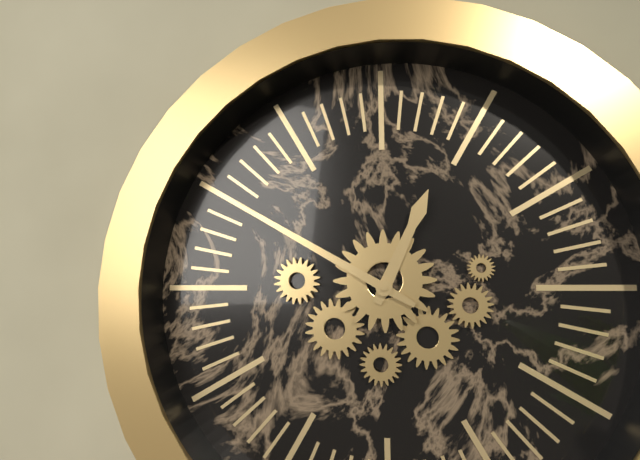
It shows 12:50
